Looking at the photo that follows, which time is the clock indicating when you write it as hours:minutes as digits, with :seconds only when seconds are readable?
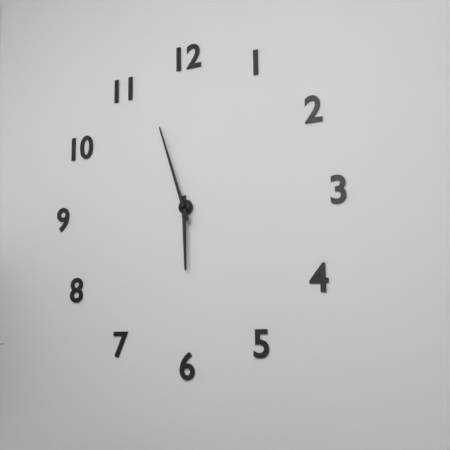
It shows 5:57
